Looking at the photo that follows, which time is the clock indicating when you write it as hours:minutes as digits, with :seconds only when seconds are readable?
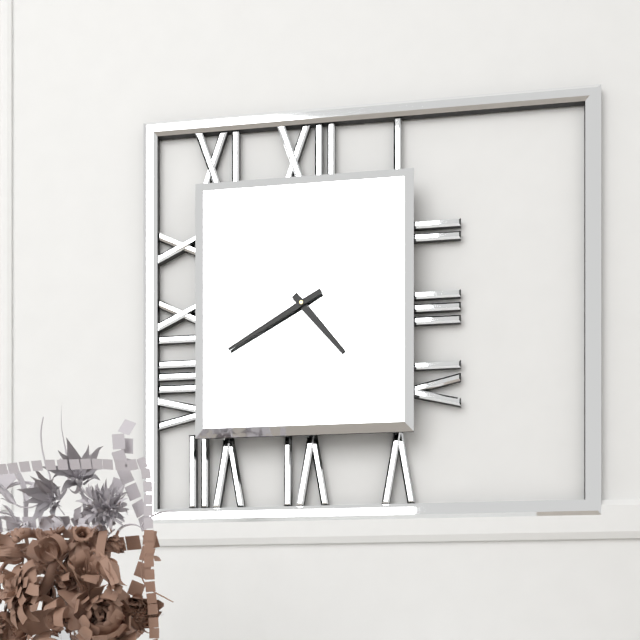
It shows 4:40
